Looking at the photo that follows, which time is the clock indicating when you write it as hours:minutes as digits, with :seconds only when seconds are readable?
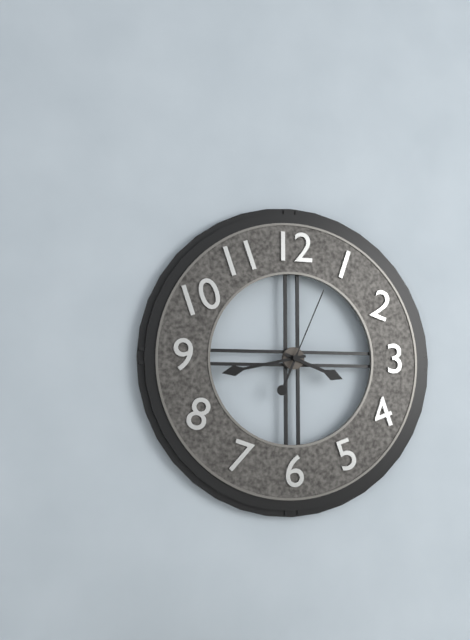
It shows 3:43:04
